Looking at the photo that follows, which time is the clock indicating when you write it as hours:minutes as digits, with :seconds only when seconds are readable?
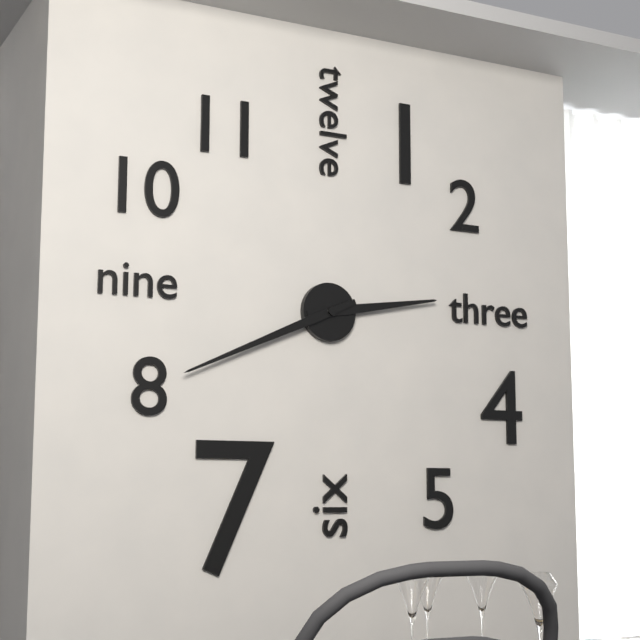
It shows 2:41
